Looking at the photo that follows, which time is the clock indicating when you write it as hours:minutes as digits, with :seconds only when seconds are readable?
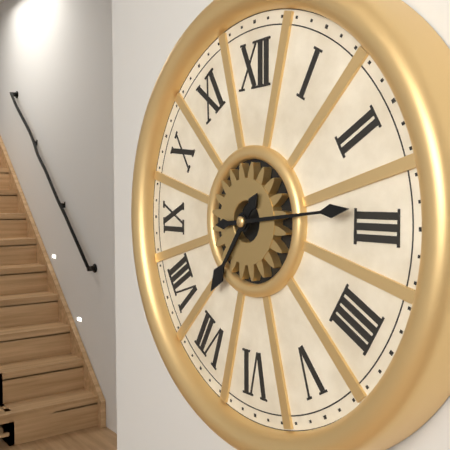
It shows 7:14
